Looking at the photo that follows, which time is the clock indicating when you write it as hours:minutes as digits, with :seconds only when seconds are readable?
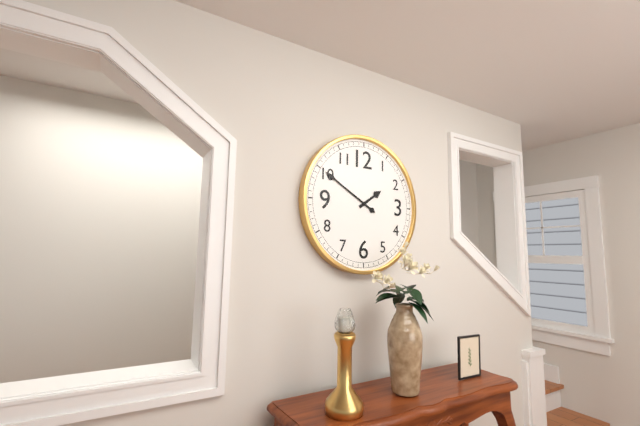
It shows 1:50
